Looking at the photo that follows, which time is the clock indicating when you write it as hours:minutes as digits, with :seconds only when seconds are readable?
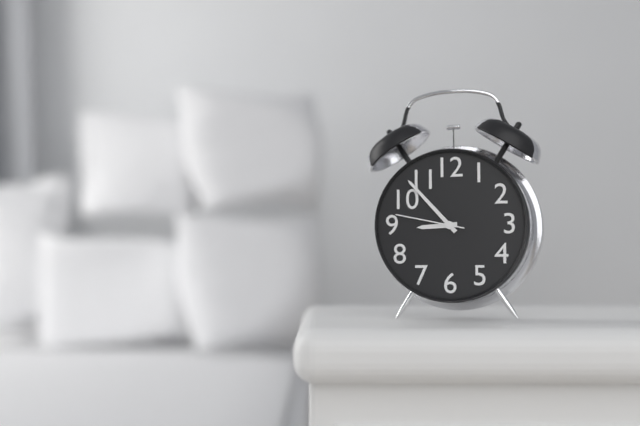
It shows 8:53:47
